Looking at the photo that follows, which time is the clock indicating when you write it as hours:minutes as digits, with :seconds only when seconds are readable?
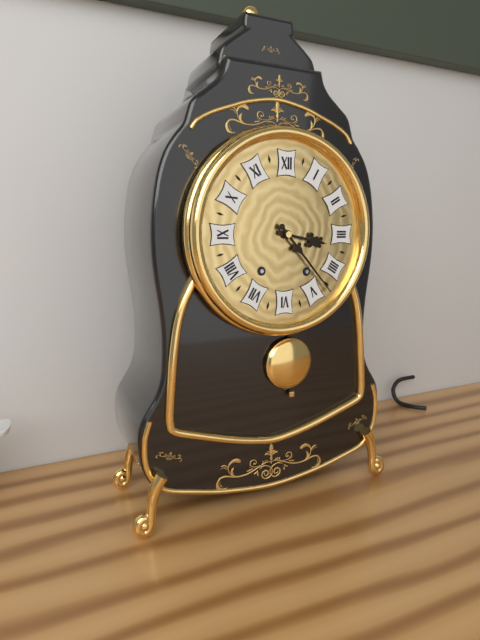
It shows 3:23
